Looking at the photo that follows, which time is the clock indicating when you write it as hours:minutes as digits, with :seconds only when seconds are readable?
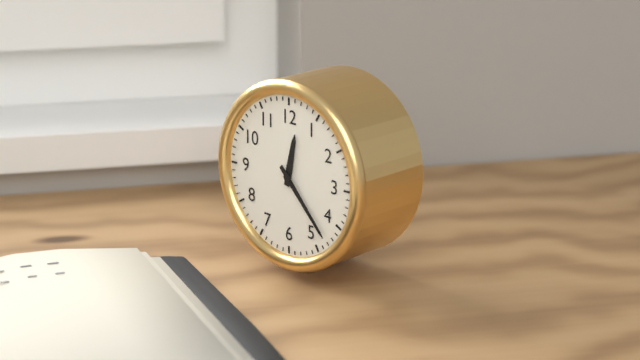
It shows 12:23
